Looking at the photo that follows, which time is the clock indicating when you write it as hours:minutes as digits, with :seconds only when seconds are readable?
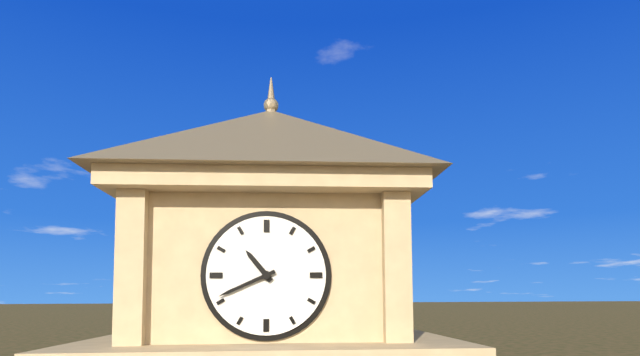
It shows 10:41
